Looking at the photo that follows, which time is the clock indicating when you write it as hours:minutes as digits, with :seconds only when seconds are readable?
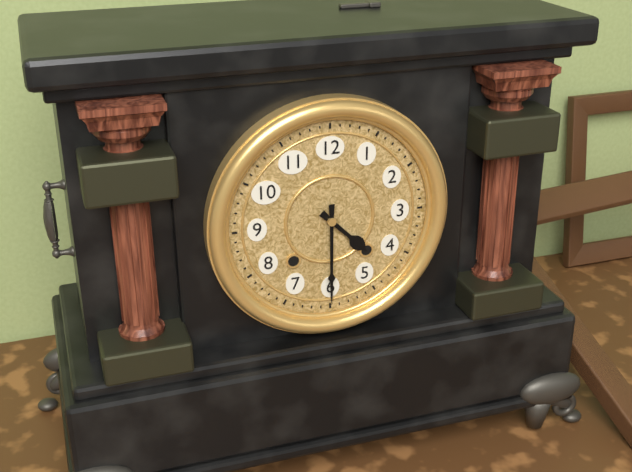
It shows 4:30
